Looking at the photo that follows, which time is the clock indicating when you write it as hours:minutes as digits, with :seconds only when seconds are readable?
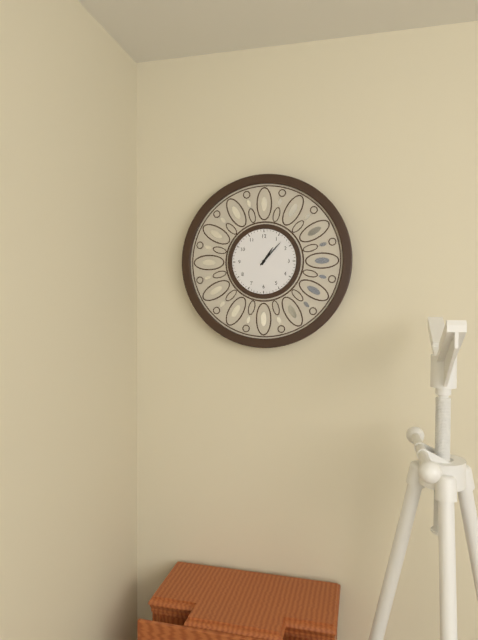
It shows 1:07
